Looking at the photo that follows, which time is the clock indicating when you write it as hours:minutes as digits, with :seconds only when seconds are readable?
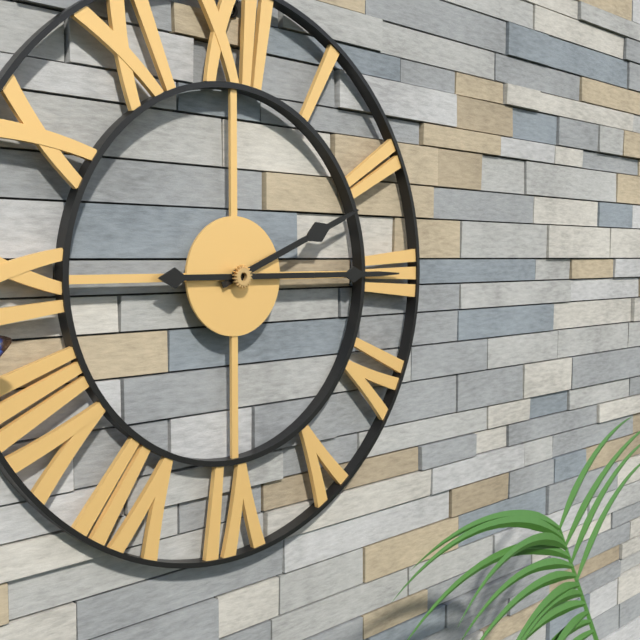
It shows 2:15
